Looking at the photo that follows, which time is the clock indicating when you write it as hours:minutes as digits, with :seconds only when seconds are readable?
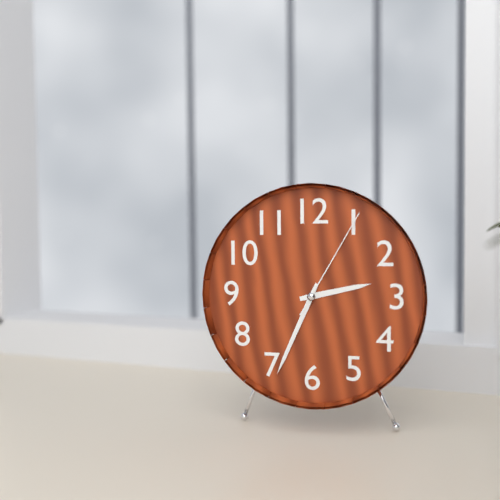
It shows 2:34:05
